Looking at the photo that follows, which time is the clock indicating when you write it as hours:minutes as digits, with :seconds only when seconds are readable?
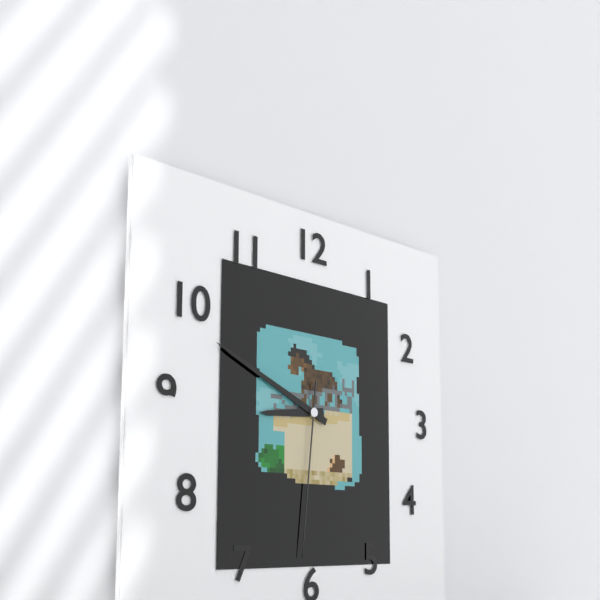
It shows 8:49:31
